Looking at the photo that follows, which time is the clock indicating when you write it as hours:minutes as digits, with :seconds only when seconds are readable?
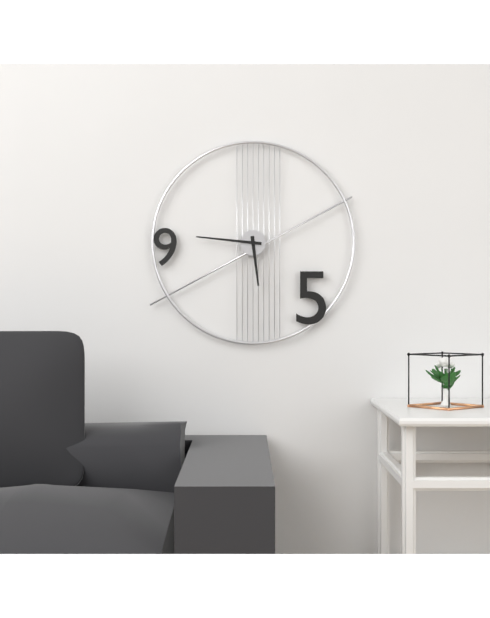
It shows 5:46
